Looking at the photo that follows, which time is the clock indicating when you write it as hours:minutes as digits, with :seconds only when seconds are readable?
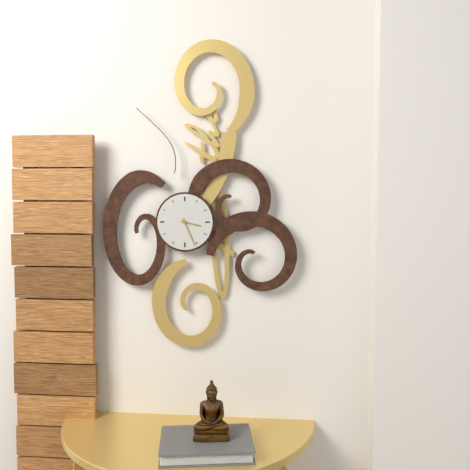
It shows 3:26
